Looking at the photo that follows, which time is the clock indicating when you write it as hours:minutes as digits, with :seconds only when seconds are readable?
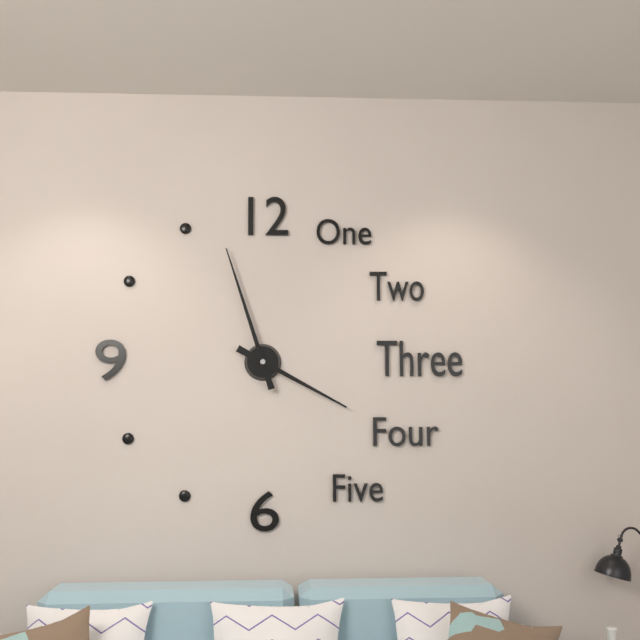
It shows 3:57
